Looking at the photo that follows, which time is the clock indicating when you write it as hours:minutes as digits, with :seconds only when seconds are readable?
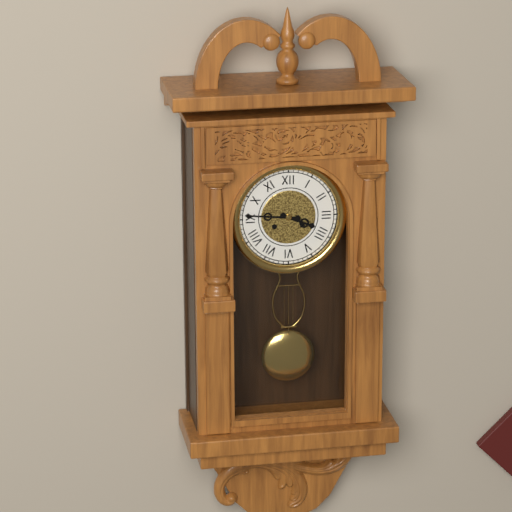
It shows 3:46
